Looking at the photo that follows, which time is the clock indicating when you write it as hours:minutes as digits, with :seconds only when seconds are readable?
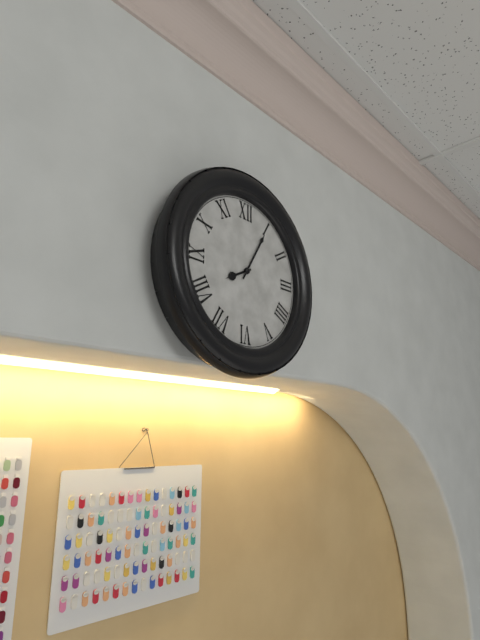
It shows 8:05
